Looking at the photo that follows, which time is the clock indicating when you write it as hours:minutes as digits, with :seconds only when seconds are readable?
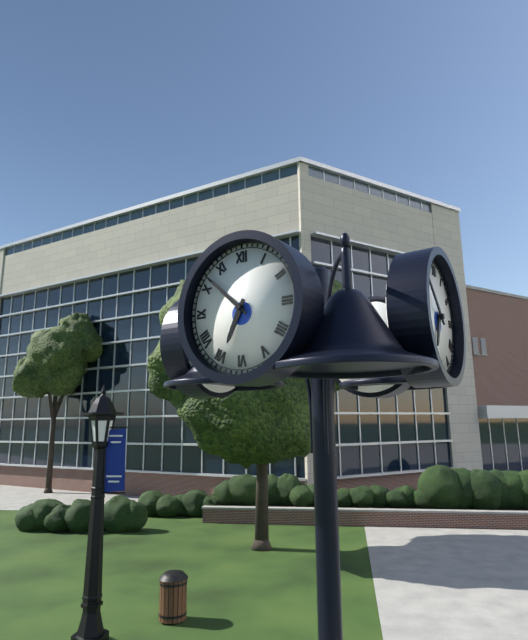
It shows 6:52
